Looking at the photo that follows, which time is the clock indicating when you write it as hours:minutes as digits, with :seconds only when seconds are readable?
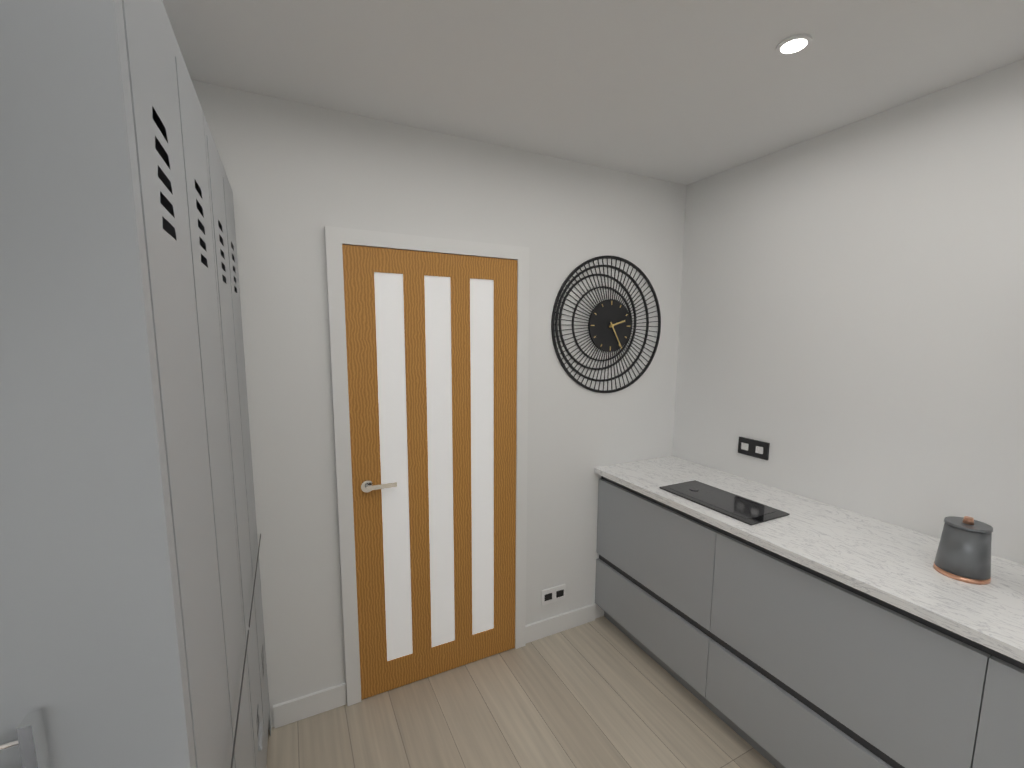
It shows 2:25
